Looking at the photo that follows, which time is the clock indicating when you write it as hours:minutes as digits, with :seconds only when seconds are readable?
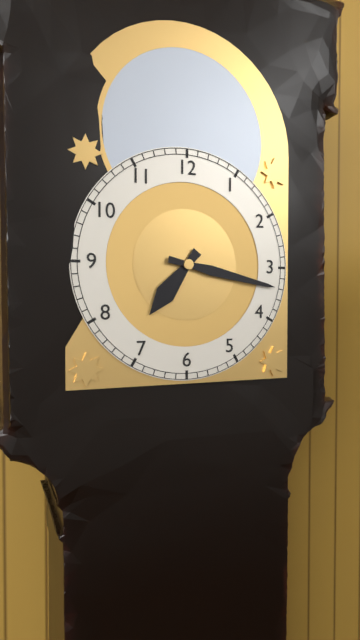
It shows 7:17
